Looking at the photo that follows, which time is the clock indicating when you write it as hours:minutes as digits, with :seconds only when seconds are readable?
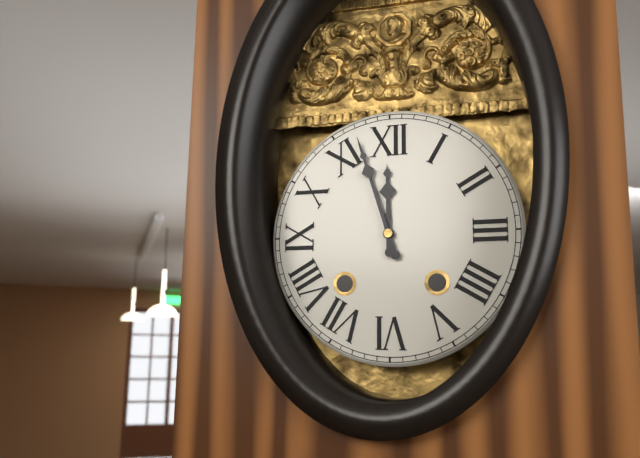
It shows 11:57
